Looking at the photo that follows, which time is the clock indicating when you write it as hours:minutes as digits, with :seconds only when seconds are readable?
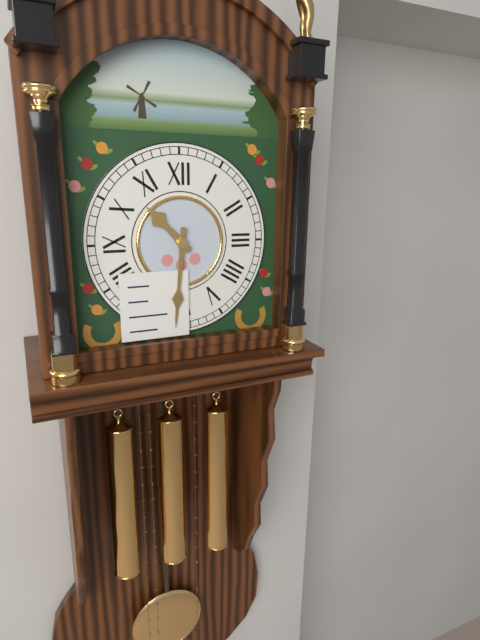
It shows 10:31
